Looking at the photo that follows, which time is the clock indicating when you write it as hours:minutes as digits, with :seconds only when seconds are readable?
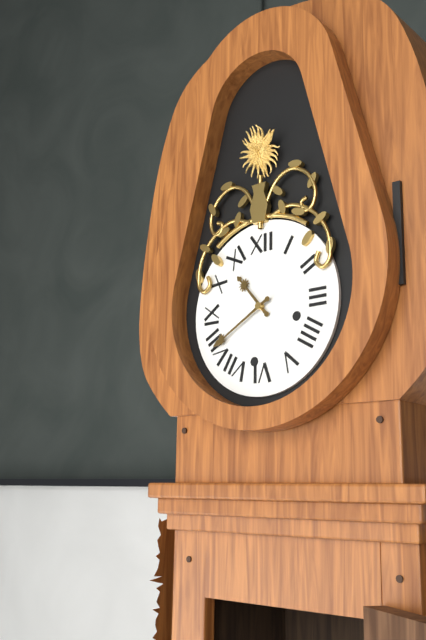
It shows 10:40
